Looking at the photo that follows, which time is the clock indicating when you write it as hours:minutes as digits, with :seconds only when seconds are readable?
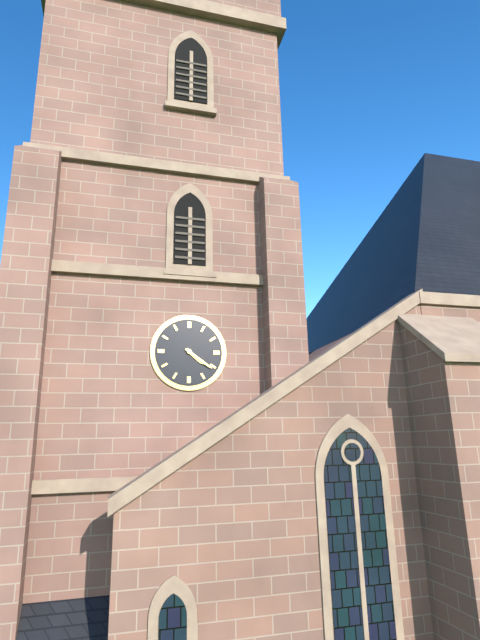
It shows 4:21
